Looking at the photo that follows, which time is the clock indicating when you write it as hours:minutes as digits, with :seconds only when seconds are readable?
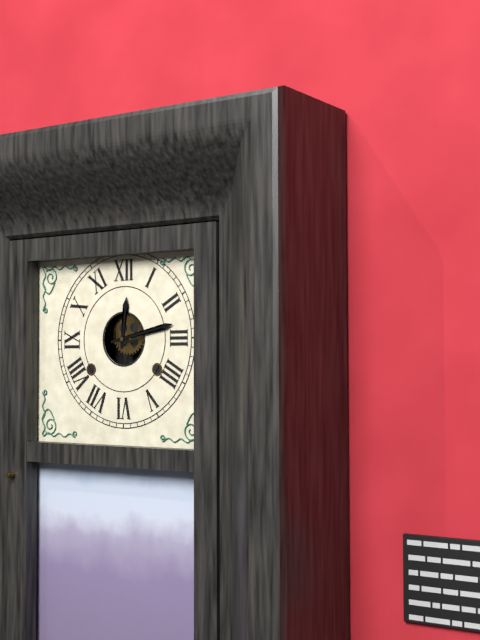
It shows 12:13
